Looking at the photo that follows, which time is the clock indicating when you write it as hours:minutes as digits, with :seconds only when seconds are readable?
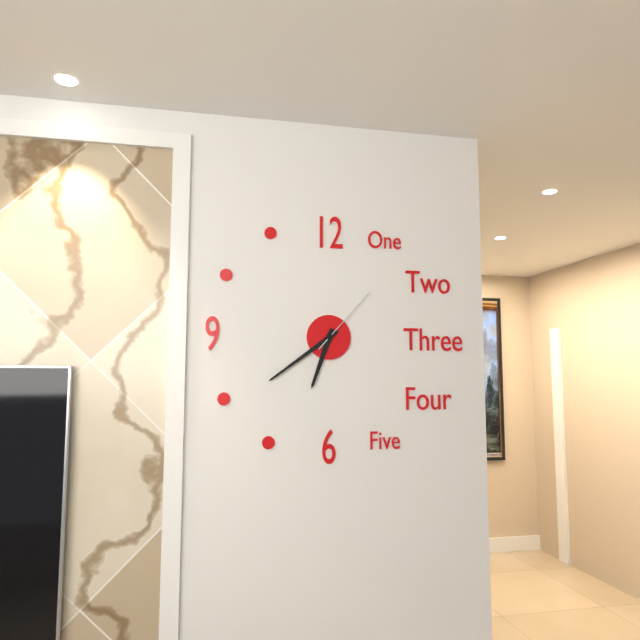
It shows 6:39:07
